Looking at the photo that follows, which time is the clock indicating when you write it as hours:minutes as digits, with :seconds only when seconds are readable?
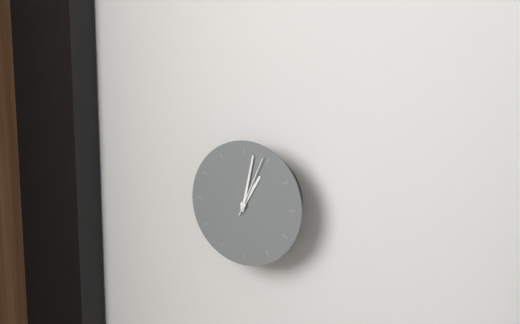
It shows 1:02:04
